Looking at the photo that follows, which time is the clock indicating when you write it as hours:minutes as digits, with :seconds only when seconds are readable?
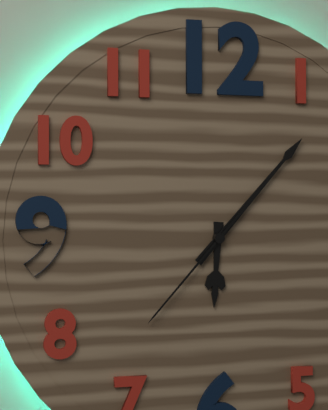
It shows 6:07:37
